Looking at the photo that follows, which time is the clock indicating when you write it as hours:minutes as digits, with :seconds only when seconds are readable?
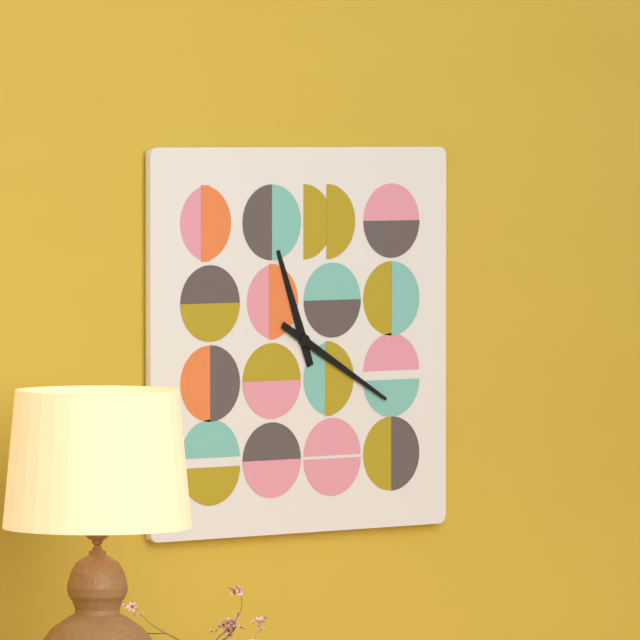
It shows 11:20
